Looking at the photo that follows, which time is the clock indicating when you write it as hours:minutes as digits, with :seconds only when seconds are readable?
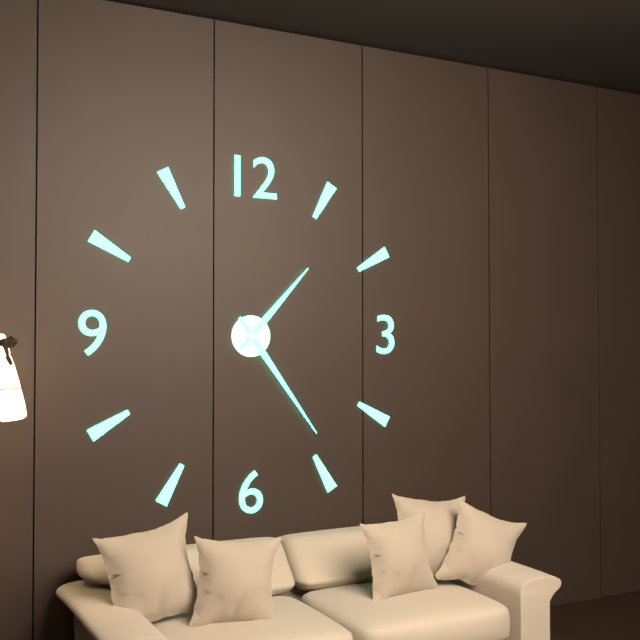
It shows 1:24
